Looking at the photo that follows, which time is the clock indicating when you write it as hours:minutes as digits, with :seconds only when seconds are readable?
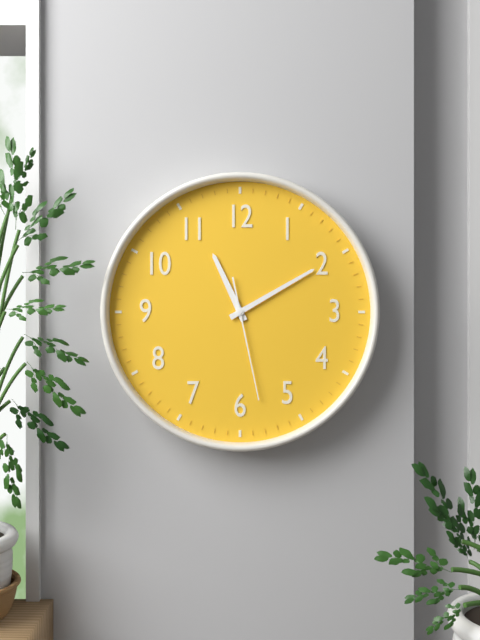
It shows 11:10:28
